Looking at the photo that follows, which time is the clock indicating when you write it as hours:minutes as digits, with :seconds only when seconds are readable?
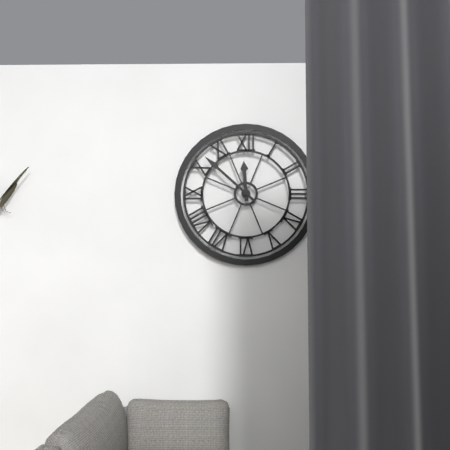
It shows 11:52
